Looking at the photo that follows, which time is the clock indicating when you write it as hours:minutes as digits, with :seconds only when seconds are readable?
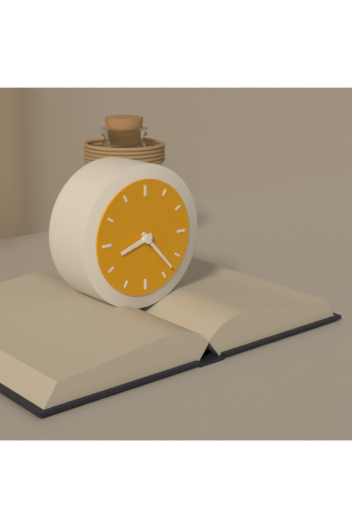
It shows 8:23
